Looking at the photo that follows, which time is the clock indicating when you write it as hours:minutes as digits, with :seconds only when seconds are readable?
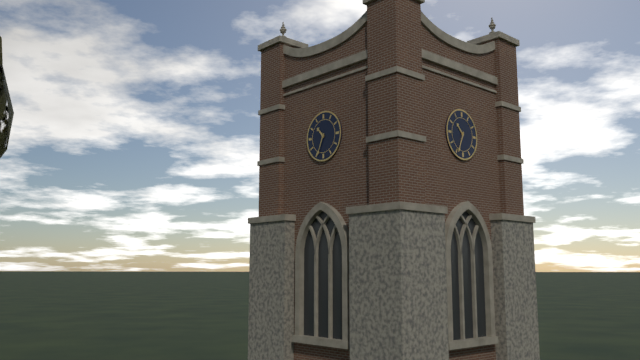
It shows 10:34
